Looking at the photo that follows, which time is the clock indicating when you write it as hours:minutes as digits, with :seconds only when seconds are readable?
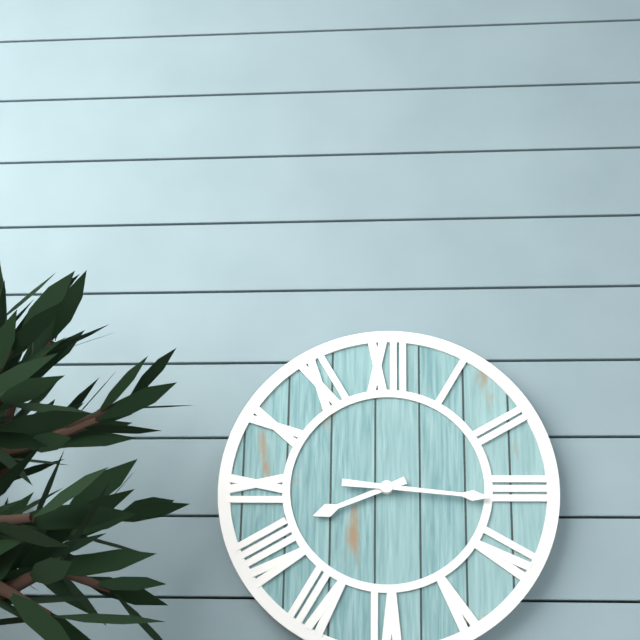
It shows 8:16
